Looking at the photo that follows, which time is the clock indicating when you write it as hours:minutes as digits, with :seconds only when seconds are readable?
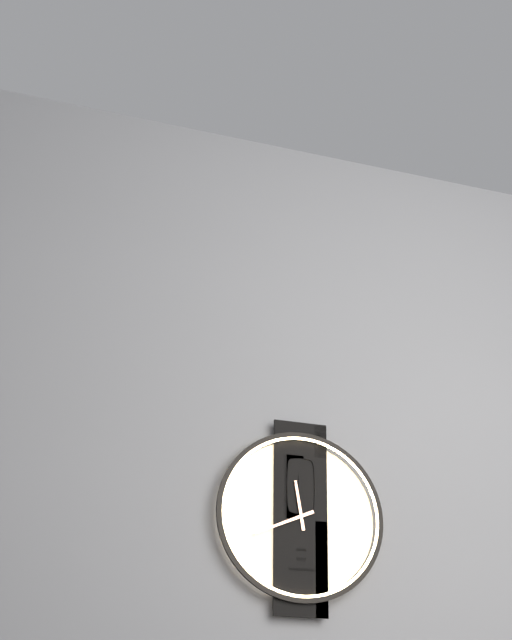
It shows 11:41
